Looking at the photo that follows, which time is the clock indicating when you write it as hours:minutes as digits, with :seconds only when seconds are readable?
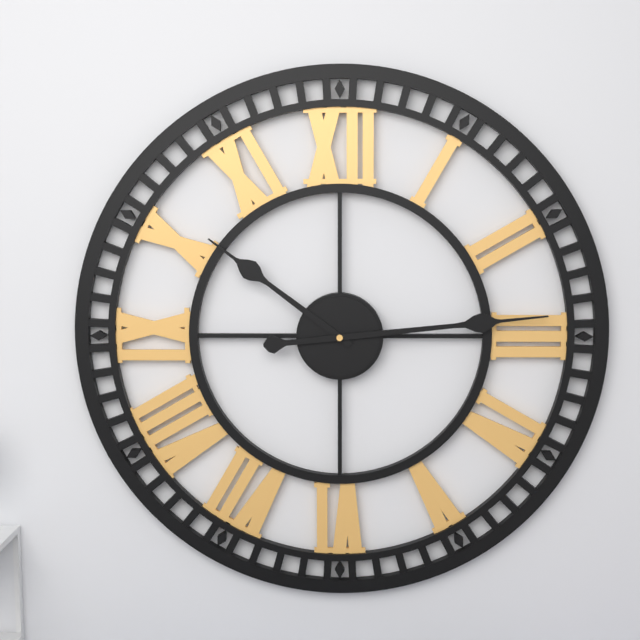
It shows 10:14
